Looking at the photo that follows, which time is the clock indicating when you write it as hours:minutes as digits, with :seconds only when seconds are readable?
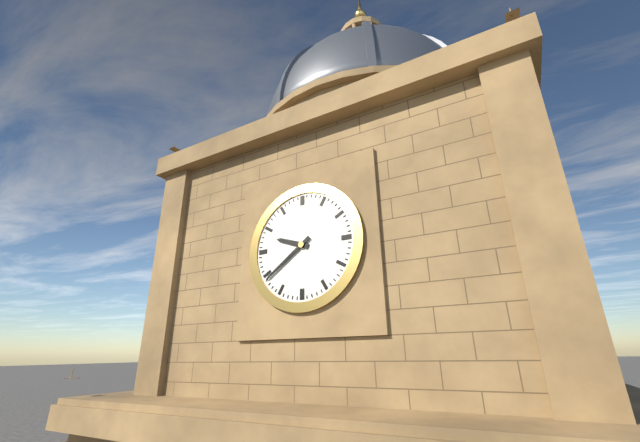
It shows 9:39
